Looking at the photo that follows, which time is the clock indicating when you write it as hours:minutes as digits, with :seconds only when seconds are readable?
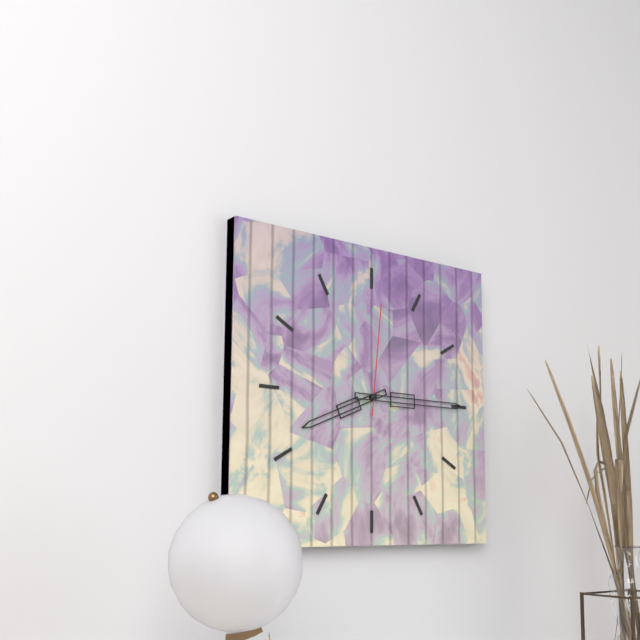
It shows 8:15:01
